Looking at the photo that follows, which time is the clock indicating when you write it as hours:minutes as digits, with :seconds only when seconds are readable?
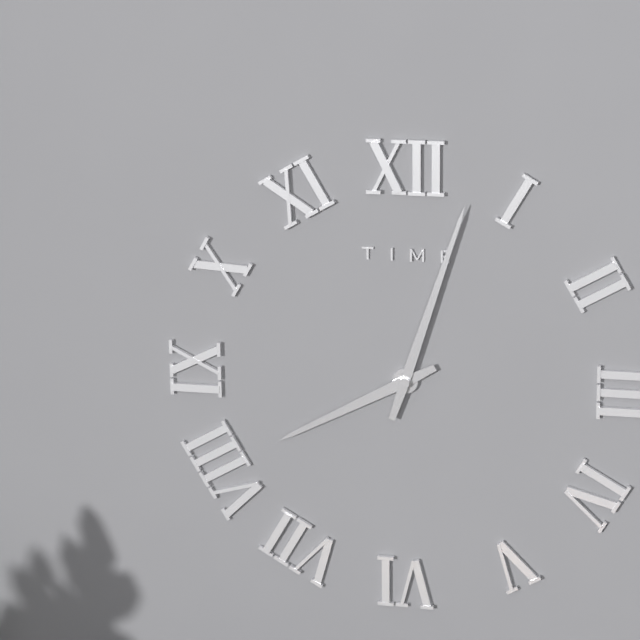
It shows 8:03
